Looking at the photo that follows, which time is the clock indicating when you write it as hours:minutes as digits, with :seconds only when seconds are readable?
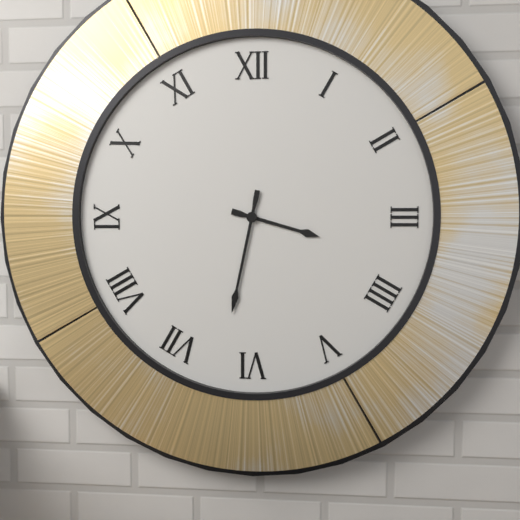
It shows 3:32
